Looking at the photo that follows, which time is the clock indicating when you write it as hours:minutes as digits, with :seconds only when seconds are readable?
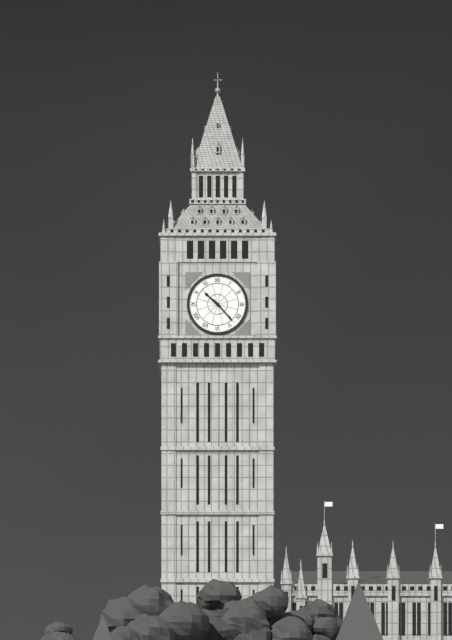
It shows 10:23
